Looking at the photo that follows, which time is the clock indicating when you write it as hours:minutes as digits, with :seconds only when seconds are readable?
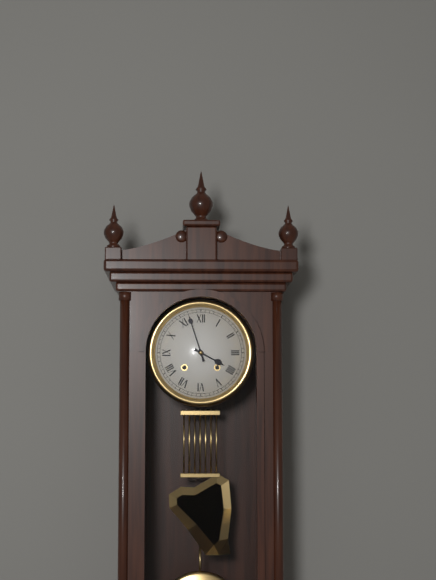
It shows 3:57
